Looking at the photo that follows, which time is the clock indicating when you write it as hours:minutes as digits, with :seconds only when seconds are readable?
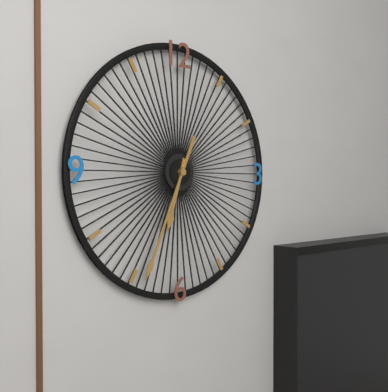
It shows 6:34
